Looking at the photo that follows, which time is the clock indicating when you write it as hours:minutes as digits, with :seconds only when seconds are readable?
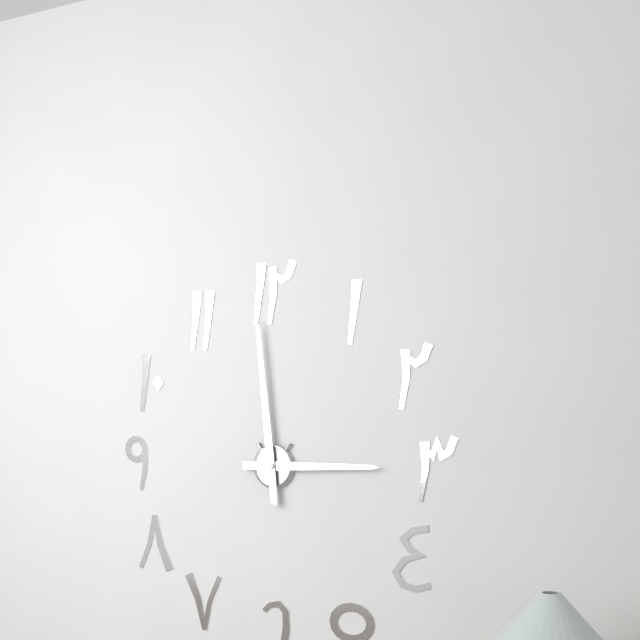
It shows 2:59
